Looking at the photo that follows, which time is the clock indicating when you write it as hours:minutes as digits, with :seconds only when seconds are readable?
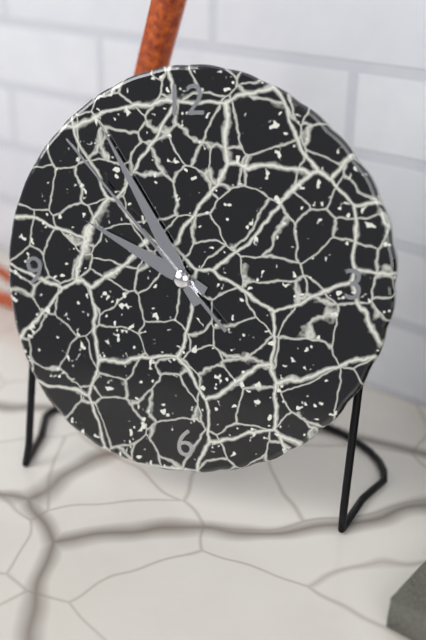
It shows 9:55:53
